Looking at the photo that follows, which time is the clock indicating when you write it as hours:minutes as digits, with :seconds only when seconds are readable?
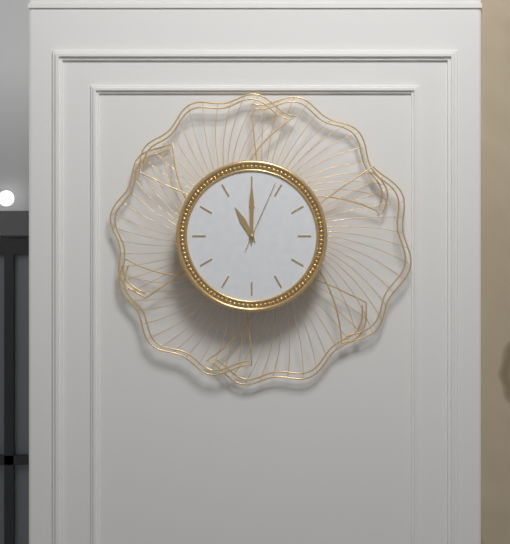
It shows 11:00:04
